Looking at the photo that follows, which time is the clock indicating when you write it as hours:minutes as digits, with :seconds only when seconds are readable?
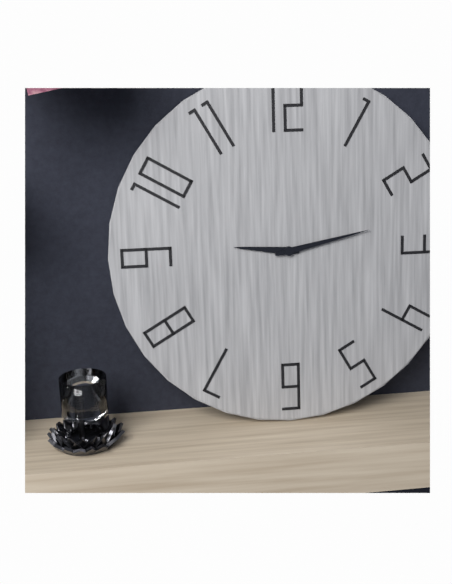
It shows 9:13
